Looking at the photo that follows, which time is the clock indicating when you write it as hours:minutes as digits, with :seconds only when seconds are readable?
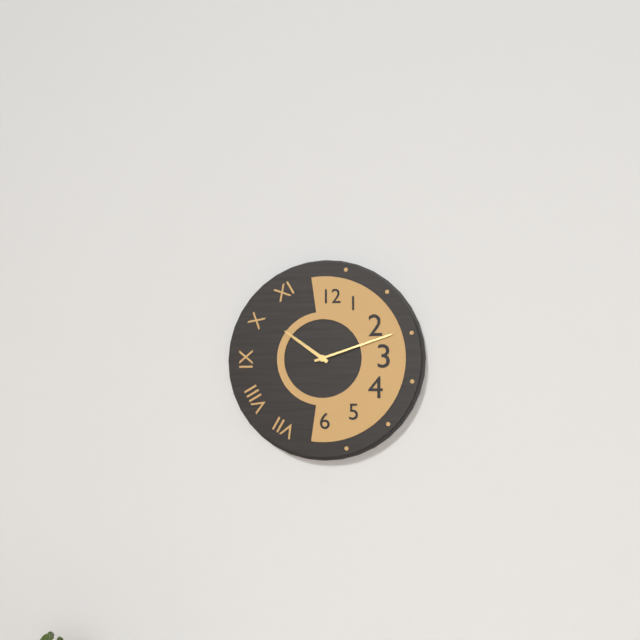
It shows 10:12
